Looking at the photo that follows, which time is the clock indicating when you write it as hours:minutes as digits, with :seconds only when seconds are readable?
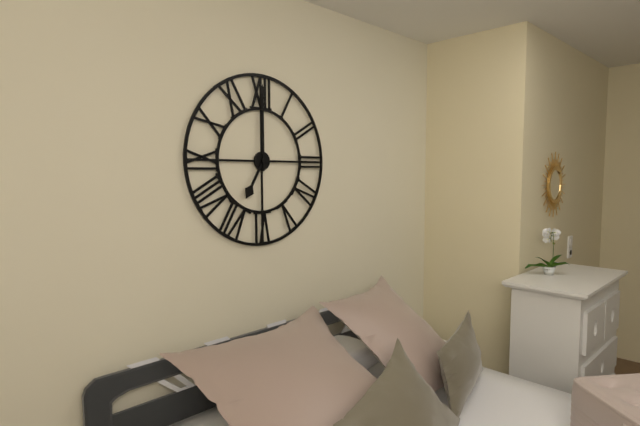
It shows 7:00
